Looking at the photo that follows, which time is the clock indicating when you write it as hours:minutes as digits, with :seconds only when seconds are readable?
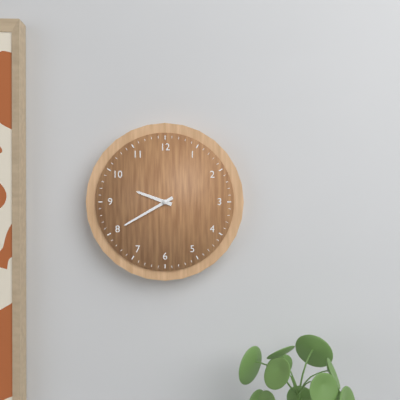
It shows 9:40
